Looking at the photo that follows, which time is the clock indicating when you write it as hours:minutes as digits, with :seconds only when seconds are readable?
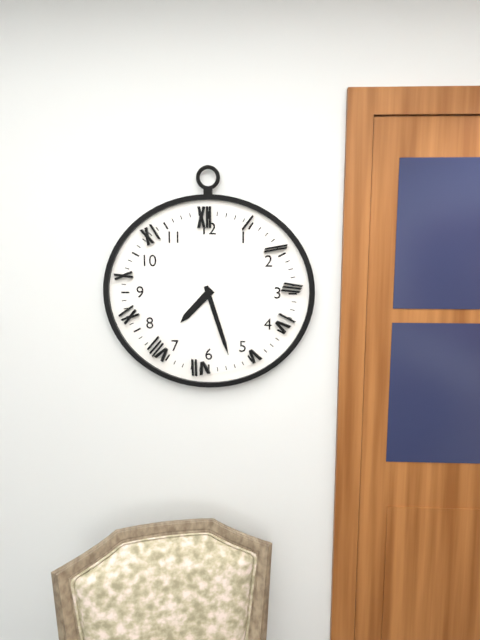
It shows 7:27
